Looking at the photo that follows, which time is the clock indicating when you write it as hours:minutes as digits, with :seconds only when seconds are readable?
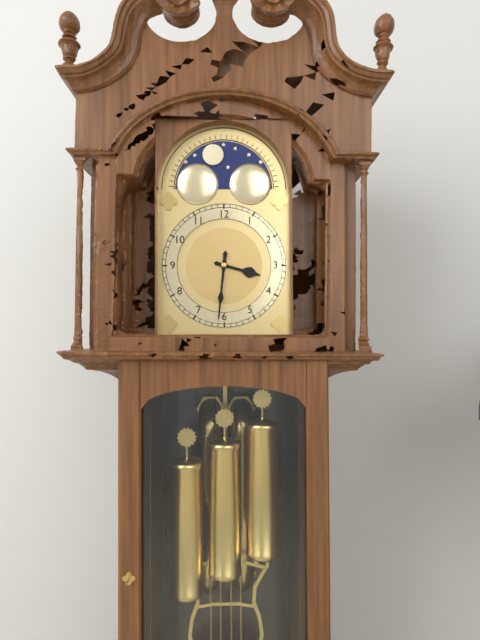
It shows 3:31
